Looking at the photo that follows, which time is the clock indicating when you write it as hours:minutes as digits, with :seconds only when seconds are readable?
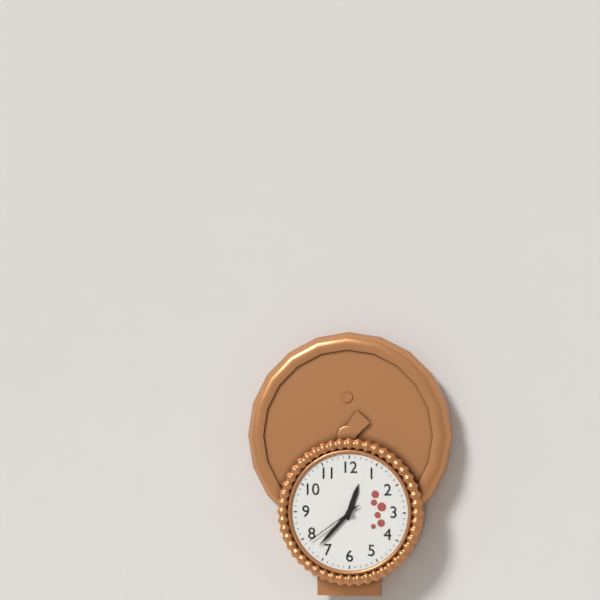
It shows 12:37:39
